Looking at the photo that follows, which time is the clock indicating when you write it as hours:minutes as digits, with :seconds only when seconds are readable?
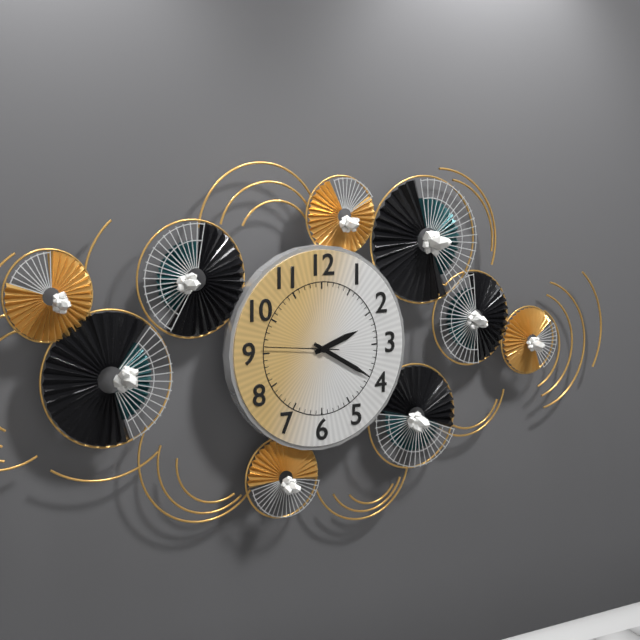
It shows 2:20:46
